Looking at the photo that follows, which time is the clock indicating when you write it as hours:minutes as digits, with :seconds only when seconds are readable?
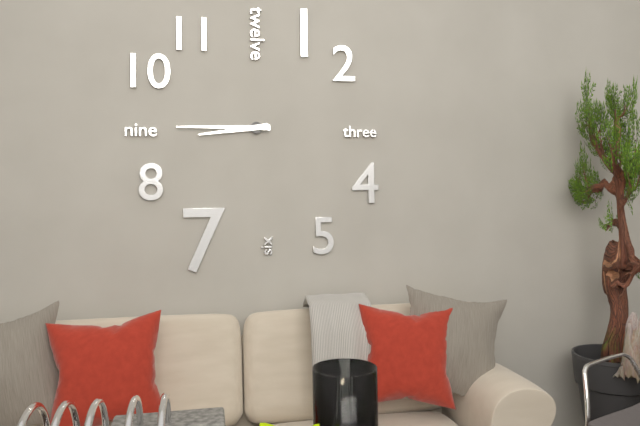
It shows 8:45
